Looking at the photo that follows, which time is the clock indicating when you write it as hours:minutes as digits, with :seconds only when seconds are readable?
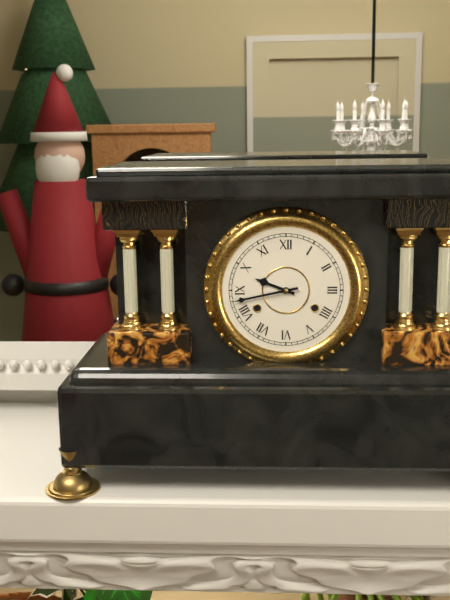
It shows 9:43
